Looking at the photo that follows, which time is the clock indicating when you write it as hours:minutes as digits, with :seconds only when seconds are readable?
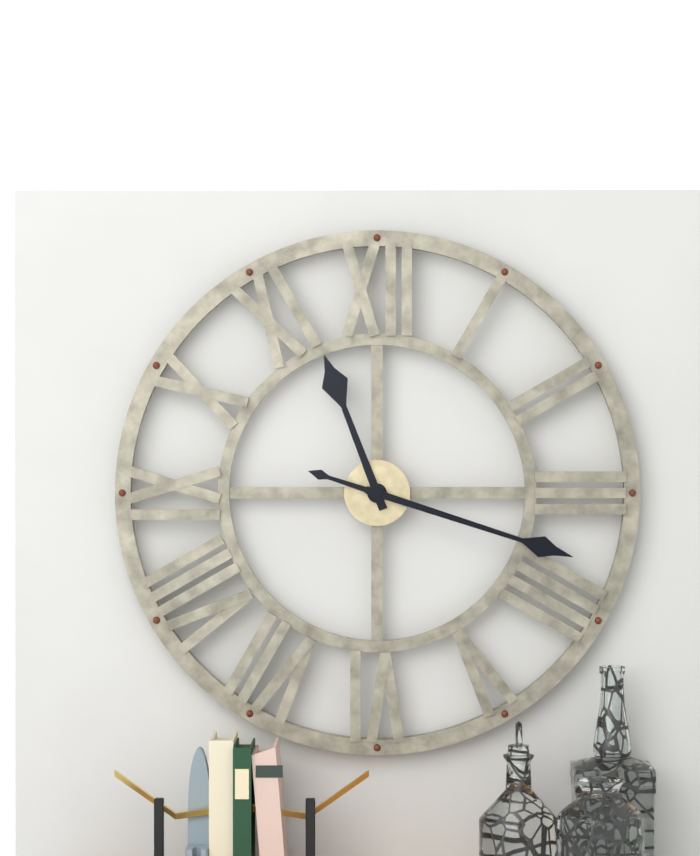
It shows 11:18
